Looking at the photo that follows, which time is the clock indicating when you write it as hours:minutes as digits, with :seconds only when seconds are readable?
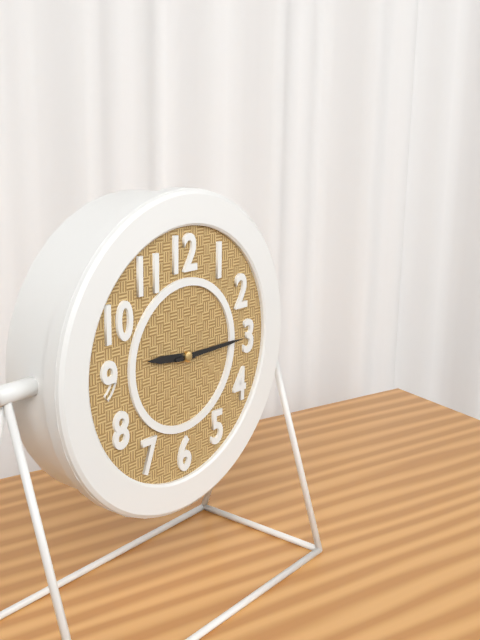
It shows 9:15
